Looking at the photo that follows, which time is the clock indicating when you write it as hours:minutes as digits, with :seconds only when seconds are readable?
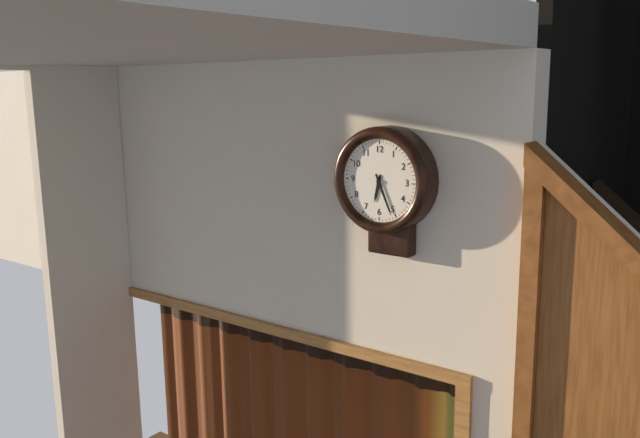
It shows 6:26
